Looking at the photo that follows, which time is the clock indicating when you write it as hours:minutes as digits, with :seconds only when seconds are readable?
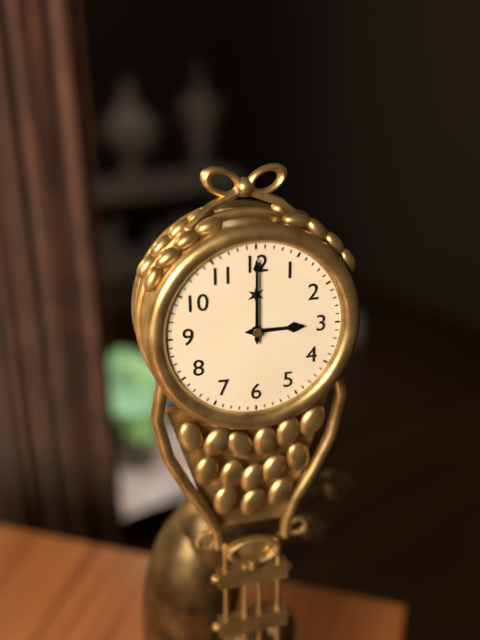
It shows 3:00
